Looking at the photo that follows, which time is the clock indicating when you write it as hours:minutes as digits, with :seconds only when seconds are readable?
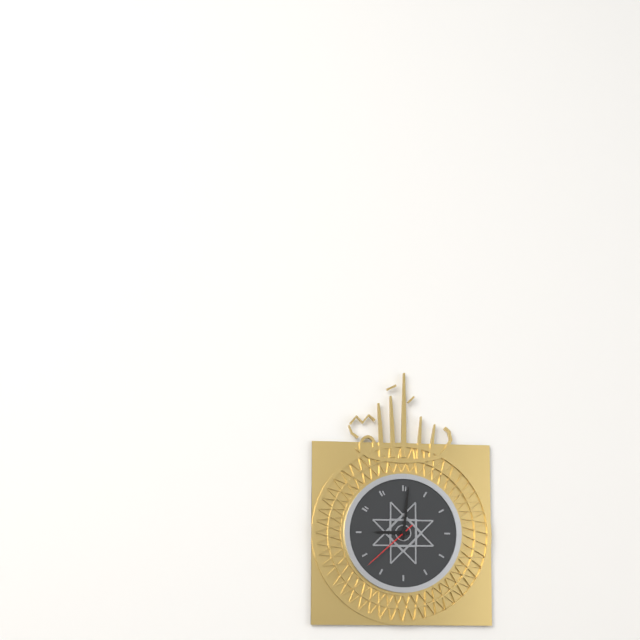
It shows 9:01:38
